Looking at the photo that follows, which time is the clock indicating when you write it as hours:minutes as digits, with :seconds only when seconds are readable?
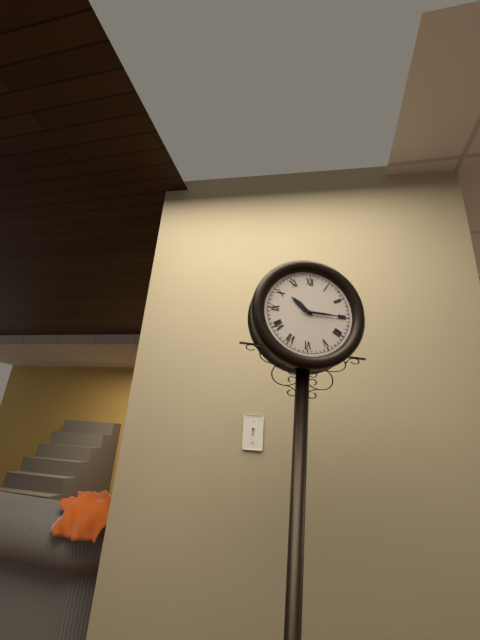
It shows 10:15
